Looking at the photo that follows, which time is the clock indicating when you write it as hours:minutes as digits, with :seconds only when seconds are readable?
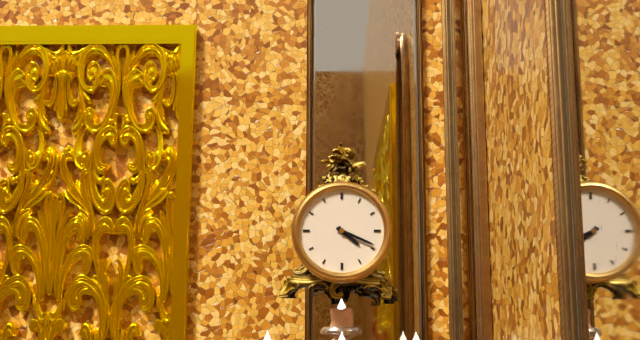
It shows 4:19
